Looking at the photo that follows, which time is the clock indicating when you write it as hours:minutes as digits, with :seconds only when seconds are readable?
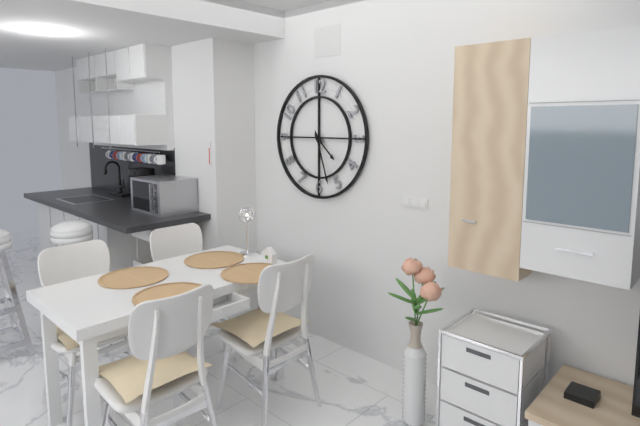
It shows 4:27
